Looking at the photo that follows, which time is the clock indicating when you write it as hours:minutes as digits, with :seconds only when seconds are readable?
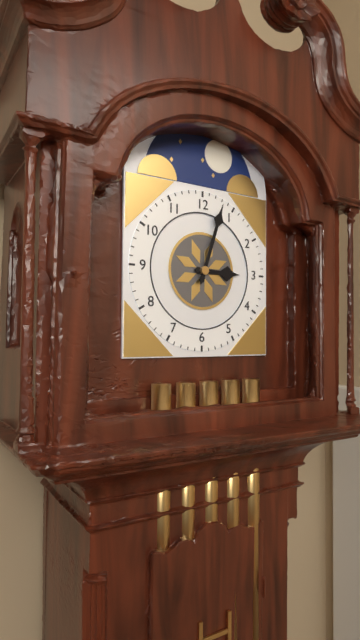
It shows 3:03
